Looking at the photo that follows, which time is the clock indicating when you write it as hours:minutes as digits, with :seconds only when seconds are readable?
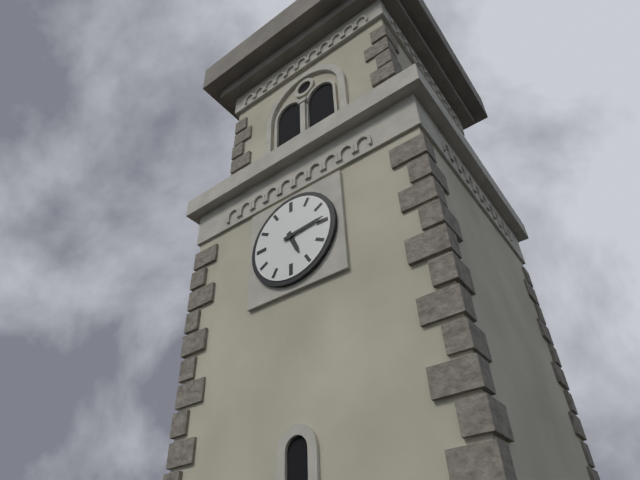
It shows 5:14
